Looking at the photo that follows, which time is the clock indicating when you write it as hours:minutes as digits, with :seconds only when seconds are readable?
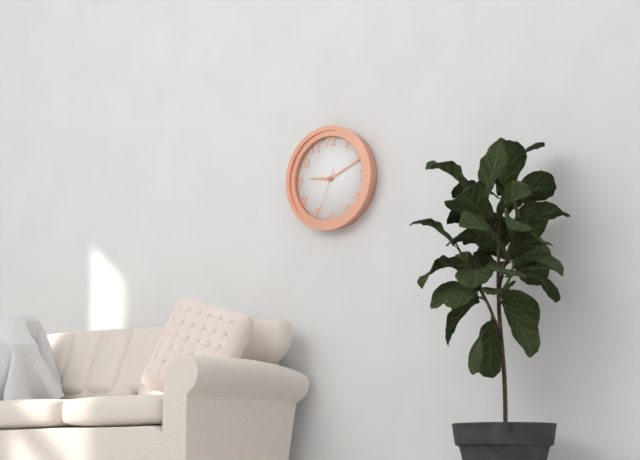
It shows 9:11
